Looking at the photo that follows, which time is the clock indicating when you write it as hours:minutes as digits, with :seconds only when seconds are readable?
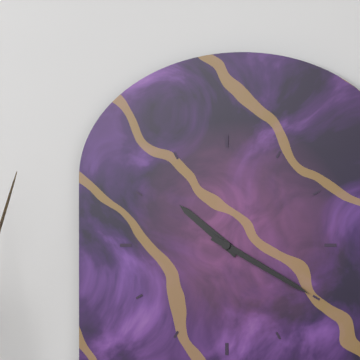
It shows 10:20
